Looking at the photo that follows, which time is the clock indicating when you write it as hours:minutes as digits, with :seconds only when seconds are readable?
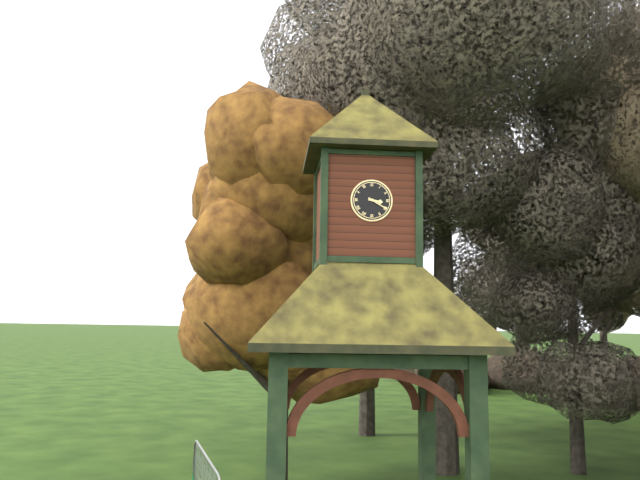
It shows 3:20
